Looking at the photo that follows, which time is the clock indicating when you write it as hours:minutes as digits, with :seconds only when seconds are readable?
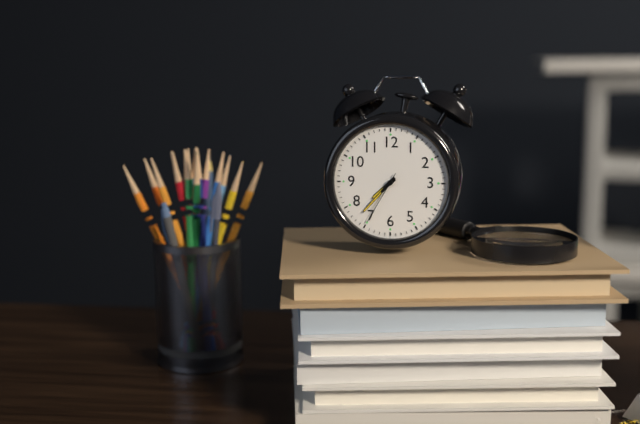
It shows 7:37:35
